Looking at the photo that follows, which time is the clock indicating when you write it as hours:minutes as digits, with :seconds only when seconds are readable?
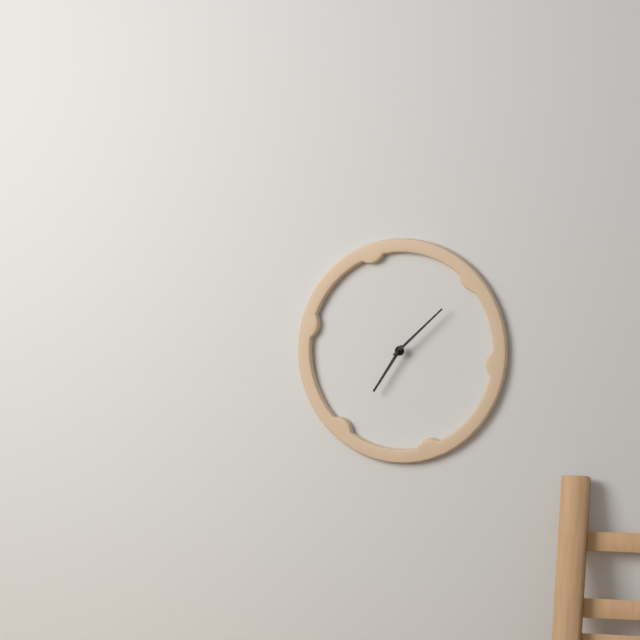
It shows 7:08
